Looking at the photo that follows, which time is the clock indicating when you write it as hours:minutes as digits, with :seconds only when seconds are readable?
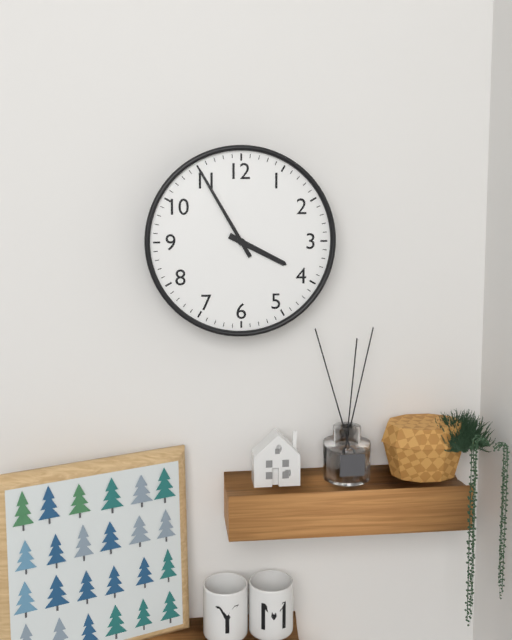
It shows 3:55
